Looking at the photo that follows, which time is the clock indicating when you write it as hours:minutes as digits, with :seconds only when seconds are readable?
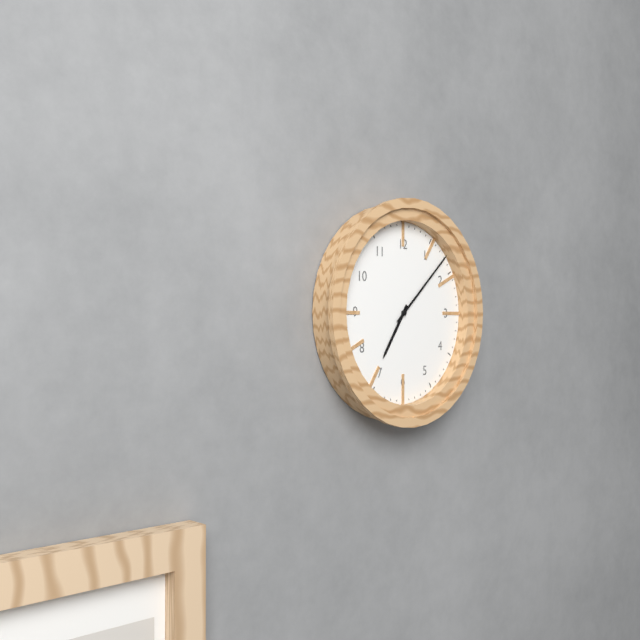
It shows 7:08
